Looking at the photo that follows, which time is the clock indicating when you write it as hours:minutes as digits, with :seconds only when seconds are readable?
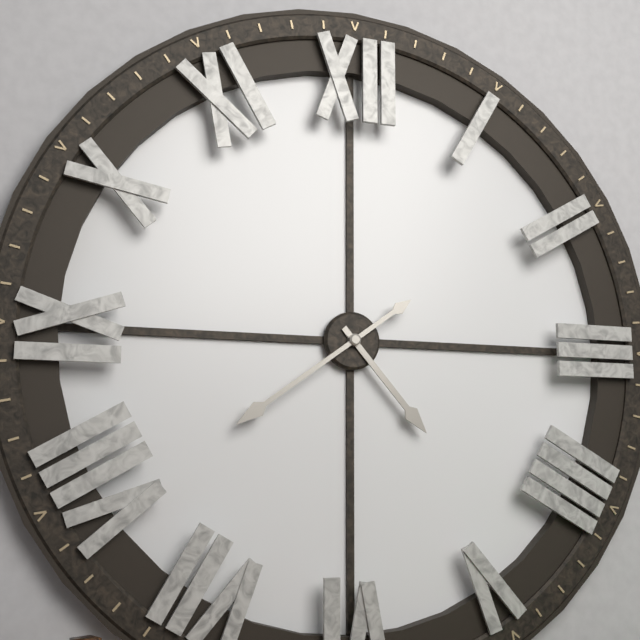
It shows 4:39
